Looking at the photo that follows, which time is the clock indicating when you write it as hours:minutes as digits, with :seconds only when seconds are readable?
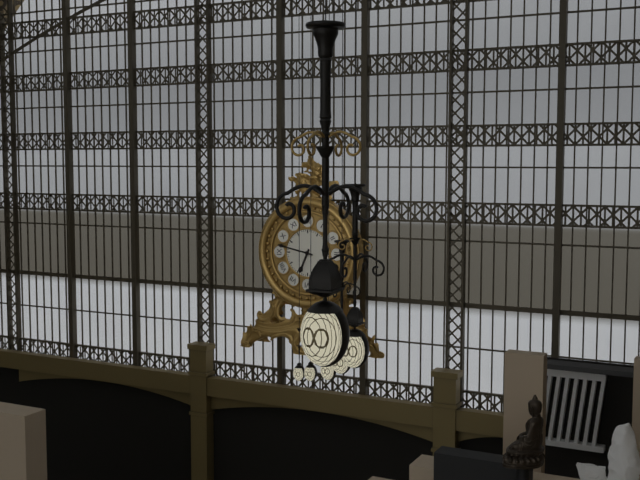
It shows 6:47
